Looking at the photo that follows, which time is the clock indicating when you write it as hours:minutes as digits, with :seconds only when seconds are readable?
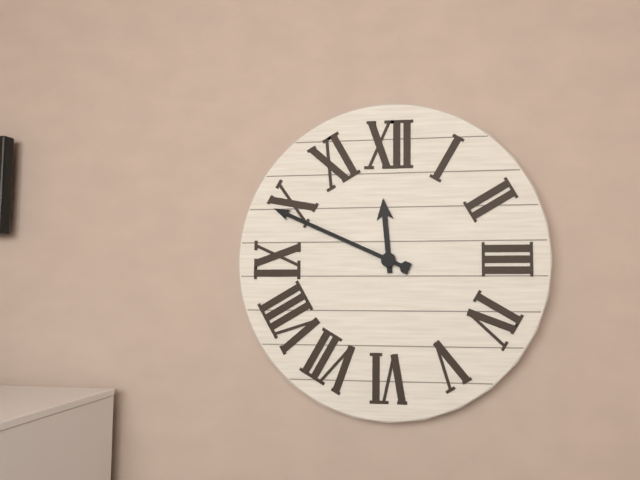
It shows 11:49
